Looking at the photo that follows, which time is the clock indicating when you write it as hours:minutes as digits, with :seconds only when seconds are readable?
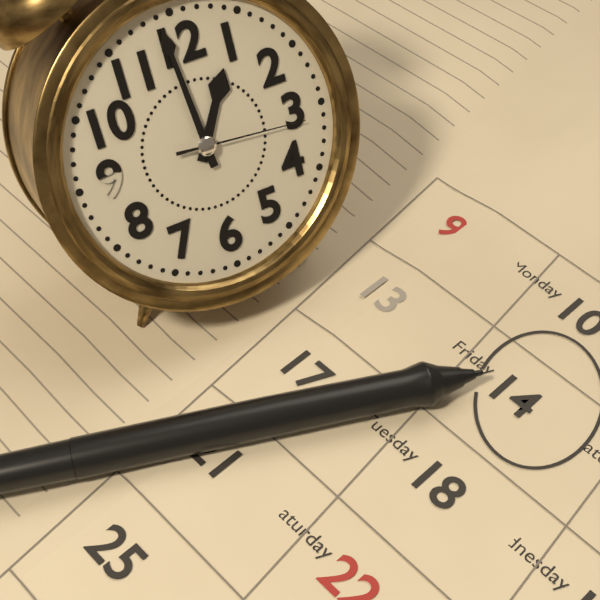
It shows 12:59:16
